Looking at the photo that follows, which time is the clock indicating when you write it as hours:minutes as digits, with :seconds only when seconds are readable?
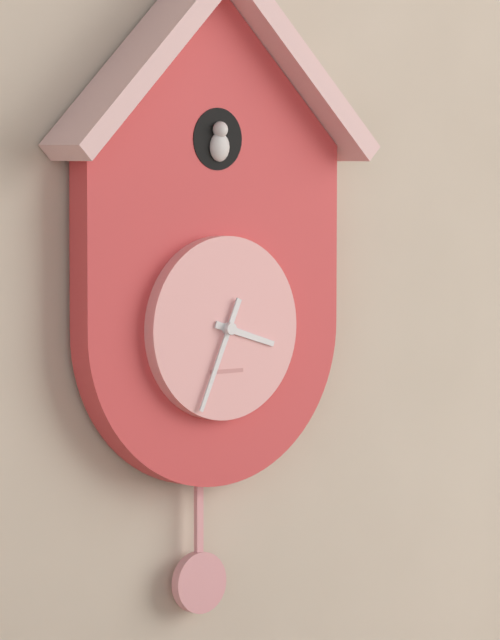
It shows 3:34
